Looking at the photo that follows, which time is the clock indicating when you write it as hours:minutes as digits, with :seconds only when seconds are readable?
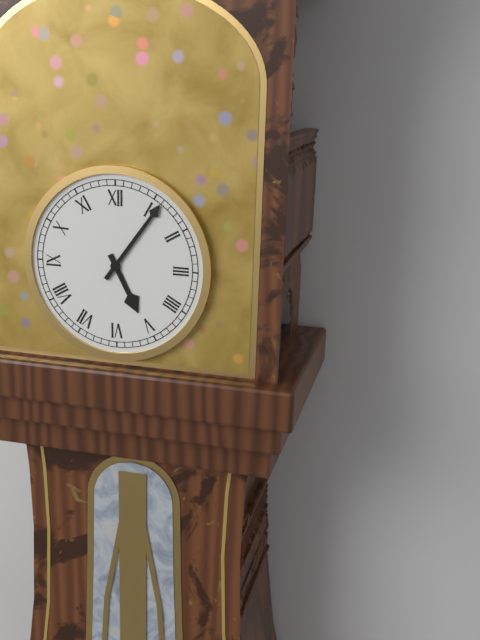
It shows 5:06
